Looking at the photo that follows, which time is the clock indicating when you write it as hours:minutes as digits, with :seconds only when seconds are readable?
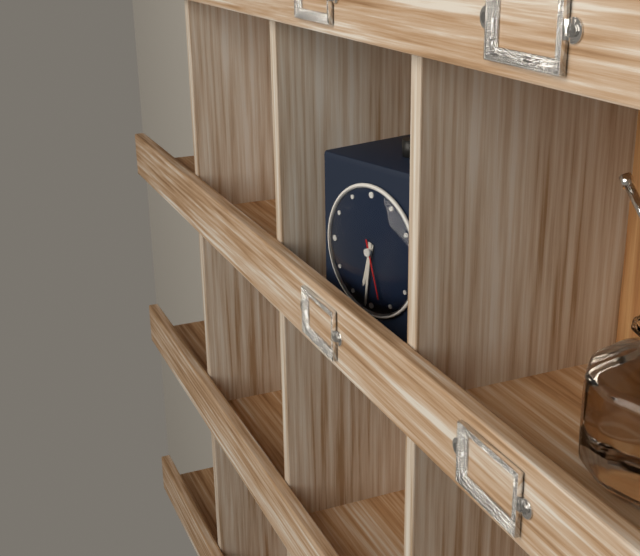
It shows 6:31:27
